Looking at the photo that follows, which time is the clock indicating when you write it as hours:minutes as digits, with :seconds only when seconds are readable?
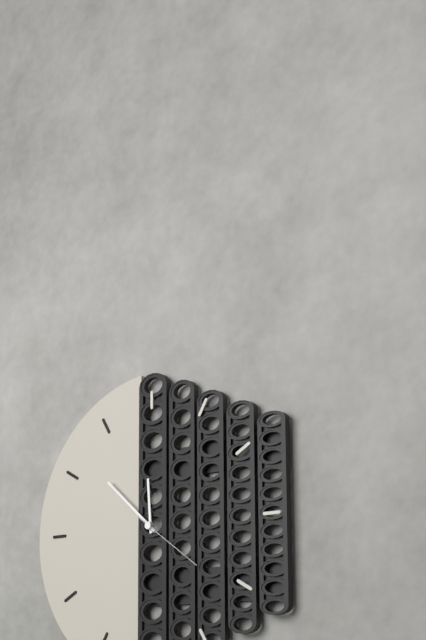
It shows 11:52:21
